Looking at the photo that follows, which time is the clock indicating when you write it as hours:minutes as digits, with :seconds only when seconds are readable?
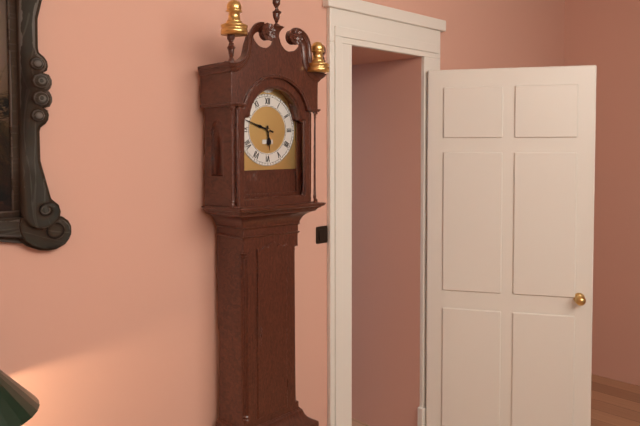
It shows 5:48
